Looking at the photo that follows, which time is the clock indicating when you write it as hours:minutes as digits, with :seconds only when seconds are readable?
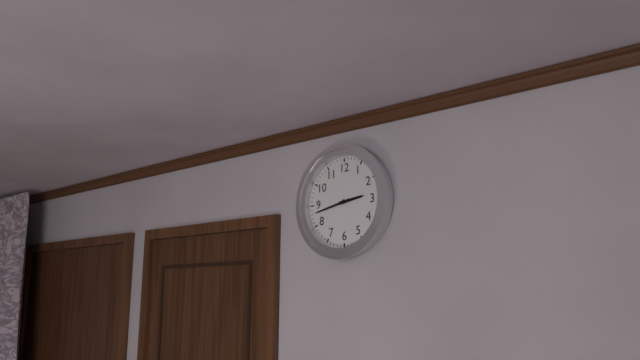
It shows 2:43
